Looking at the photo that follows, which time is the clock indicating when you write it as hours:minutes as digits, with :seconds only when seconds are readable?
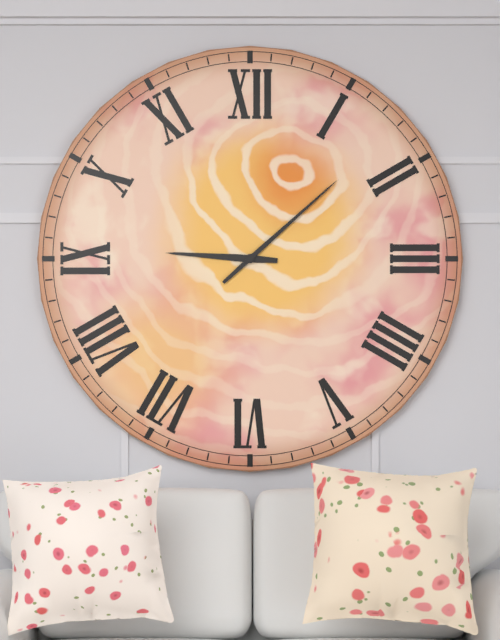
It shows 9:08
